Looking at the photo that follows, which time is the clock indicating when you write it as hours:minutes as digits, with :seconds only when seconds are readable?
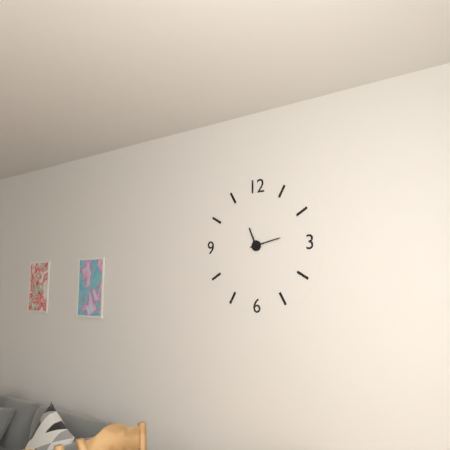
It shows 11:13
